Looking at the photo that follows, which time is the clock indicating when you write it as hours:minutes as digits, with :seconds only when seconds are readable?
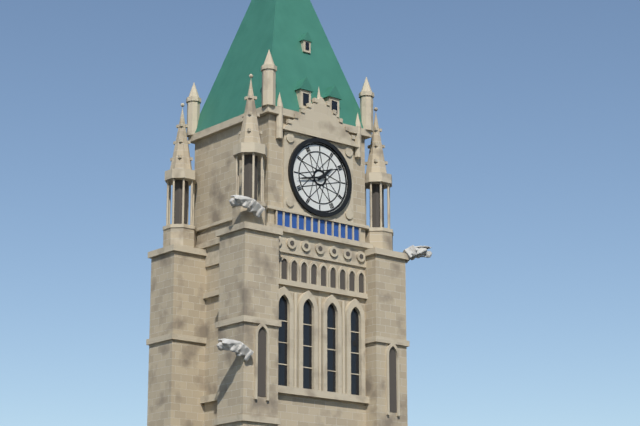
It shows 1:43
